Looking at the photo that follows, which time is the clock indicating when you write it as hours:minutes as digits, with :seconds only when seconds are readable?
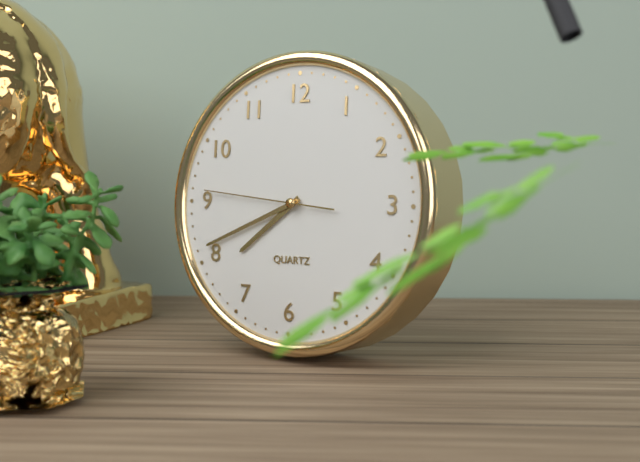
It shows 7:41:46
